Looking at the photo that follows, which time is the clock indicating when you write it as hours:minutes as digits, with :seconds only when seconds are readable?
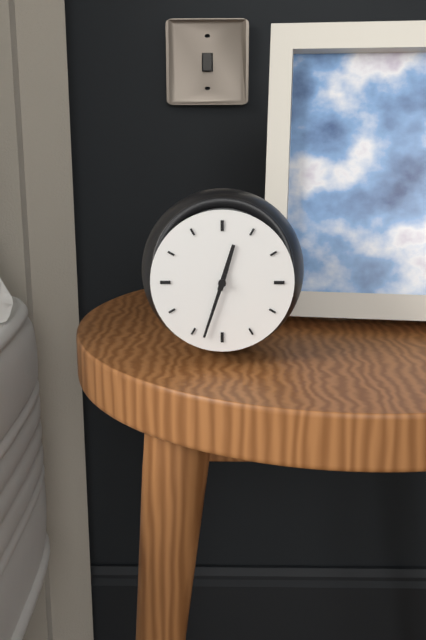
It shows 12:33
